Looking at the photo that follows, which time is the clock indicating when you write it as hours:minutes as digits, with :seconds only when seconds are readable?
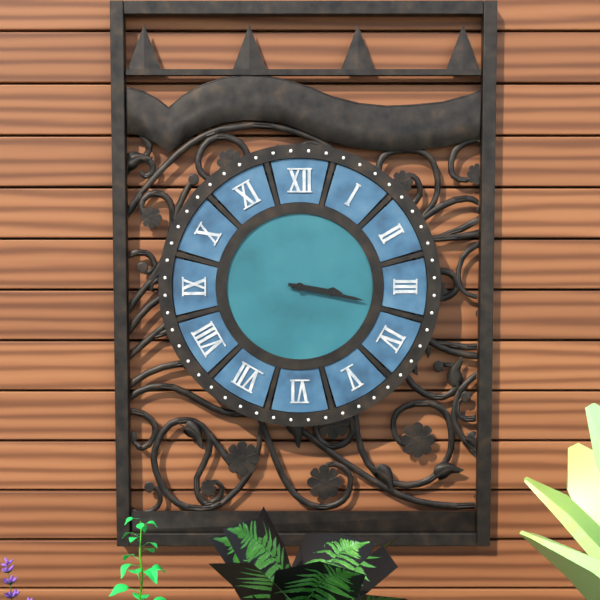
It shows 3:17
